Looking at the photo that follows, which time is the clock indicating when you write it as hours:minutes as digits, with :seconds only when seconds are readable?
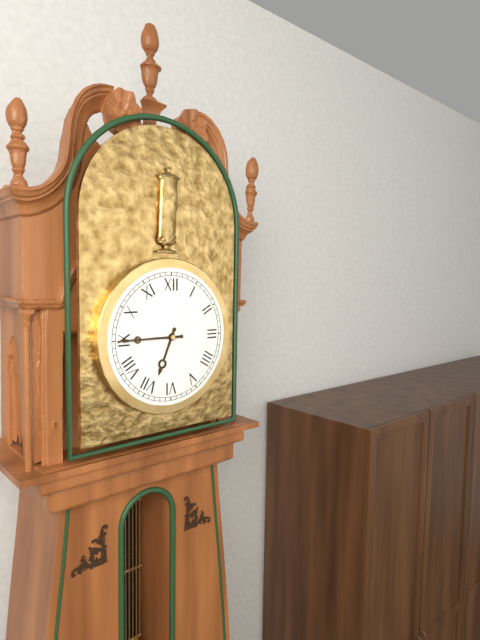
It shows 6:45
